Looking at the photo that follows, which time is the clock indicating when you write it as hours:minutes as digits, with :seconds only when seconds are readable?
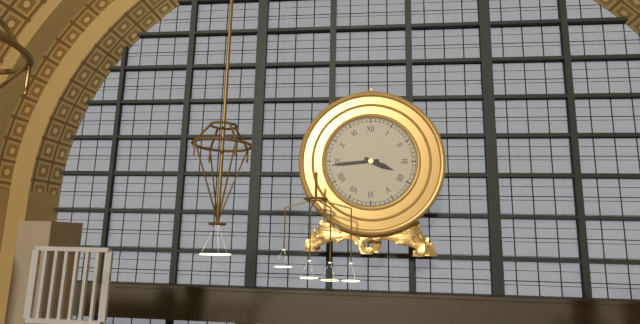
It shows 3:44
